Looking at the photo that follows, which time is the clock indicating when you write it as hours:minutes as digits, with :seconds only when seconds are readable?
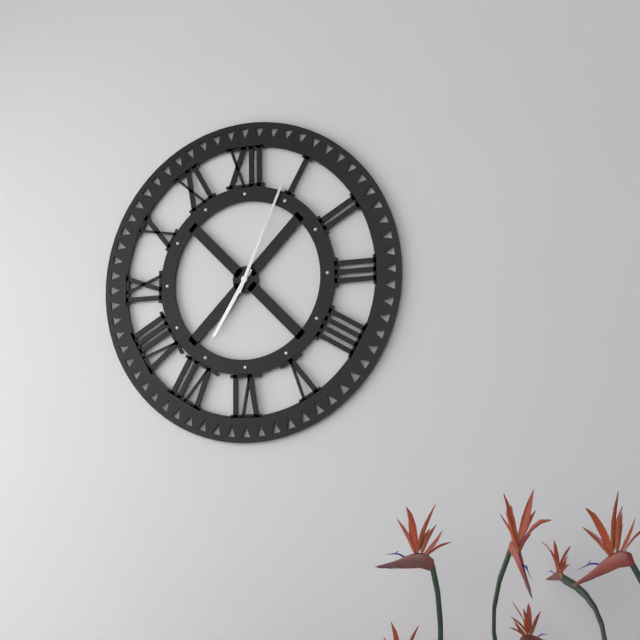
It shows 7:04
